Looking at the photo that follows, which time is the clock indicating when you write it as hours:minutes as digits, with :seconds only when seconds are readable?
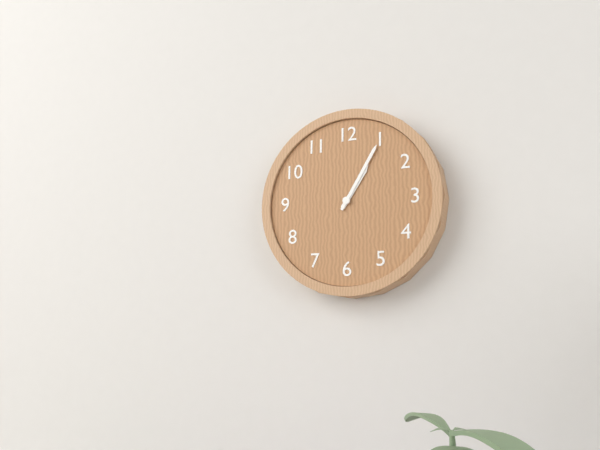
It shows 1:05
